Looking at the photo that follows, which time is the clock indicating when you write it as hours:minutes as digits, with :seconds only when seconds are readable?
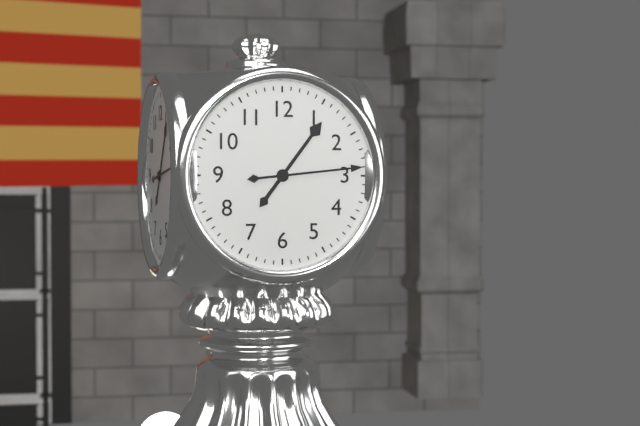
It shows 1:14
